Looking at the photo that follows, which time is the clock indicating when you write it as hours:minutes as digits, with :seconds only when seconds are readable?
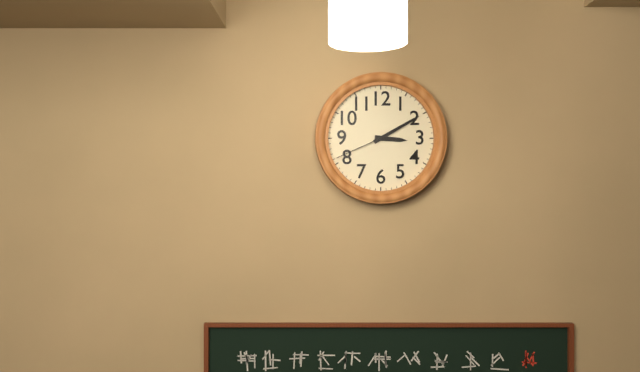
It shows 3:10:41
